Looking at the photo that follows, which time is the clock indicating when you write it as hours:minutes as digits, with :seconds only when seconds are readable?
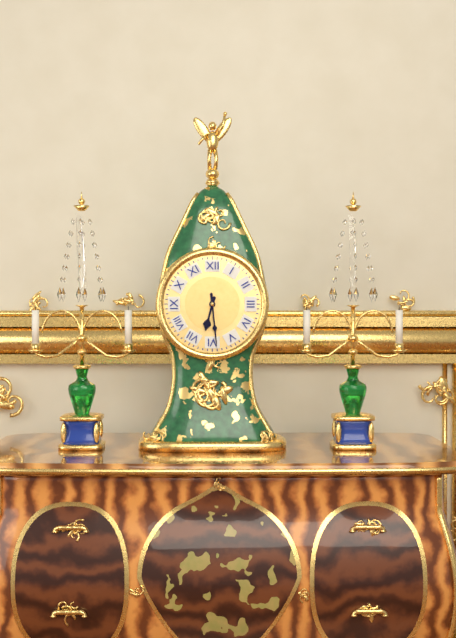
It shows 6:29
